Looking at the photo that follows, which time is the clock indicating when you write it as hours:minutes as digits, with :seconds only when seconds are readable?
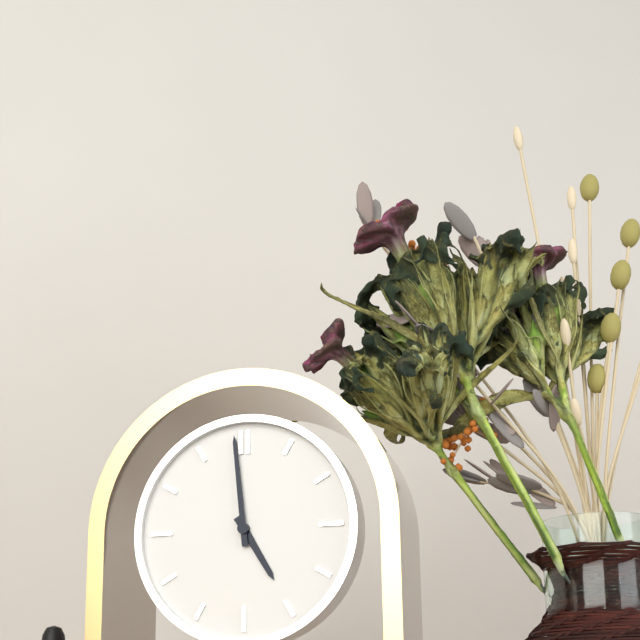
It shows 4:59
